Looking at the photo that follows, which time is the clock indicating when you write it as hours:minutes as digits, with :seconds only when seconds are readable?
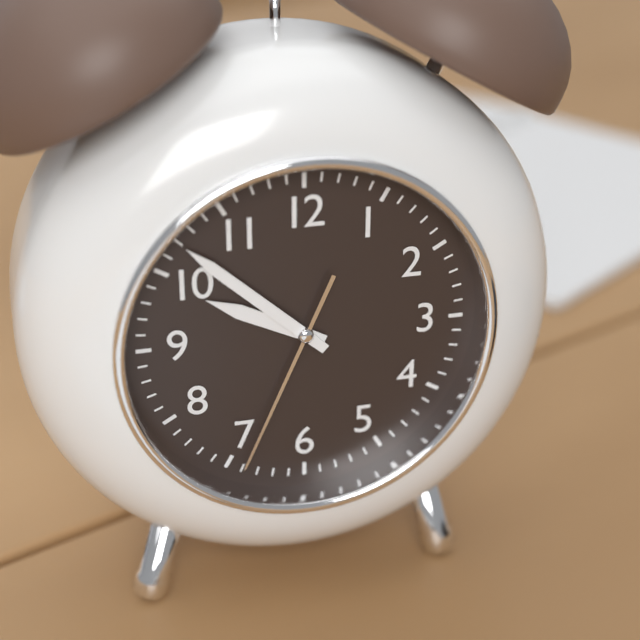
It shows 9:52:34
